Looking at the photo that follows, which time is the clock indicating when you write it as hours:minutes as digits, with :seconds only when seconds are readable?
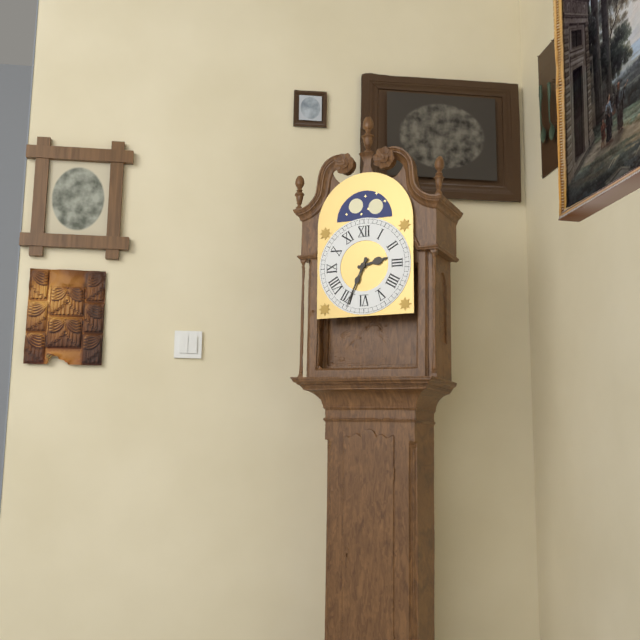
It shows 2:34
